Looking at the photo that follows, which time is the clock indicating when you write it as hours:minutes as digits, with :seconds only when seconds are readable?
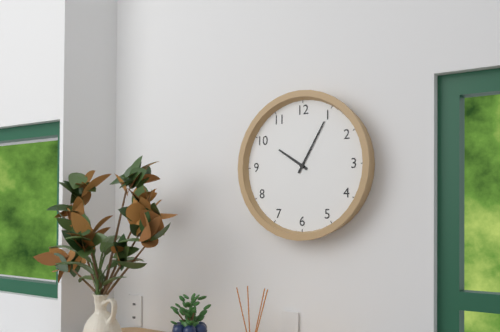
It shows 10:05
